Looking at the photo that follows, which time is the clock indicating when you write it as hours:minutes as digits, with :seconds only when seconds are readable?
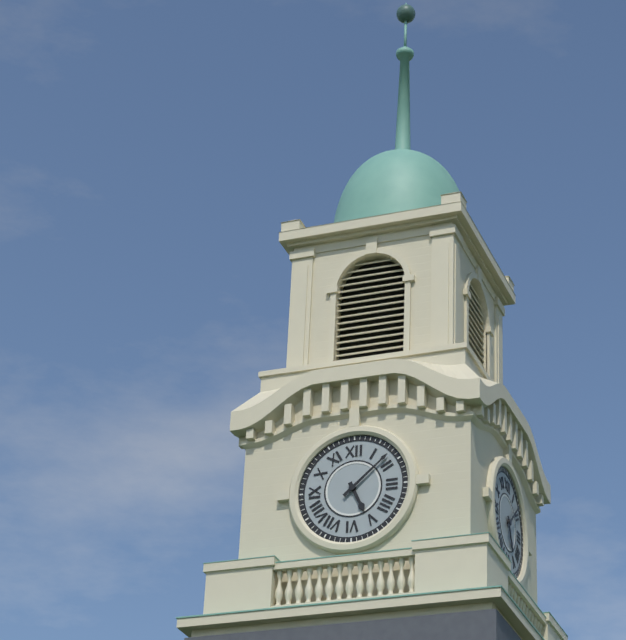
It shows 5:08
